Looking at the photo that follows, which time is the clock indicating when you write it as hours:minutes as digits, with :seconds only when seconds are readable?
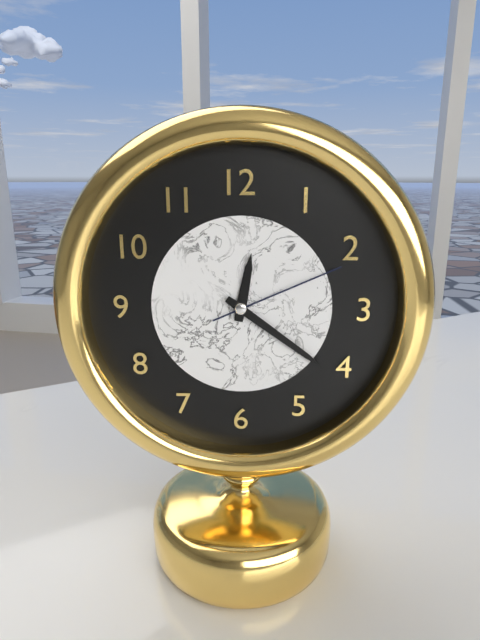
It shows 12:21:11
